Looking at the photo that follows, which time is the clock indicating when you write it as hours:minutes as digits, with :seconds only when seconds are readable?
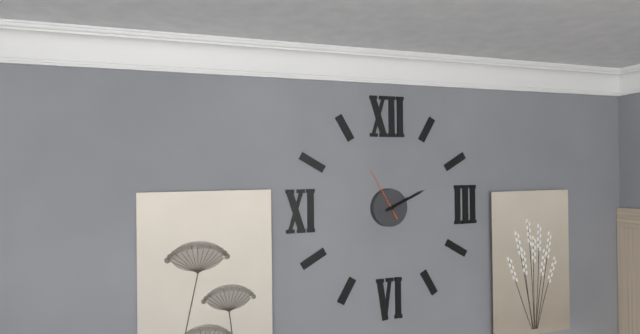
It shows 2:11:55
